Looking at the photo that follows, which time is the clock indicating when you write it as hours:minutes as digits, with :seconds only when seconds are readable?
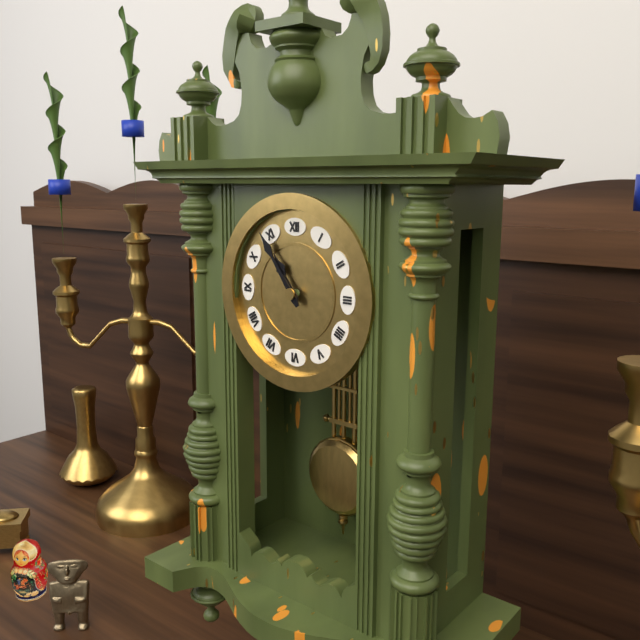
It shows 10:54
